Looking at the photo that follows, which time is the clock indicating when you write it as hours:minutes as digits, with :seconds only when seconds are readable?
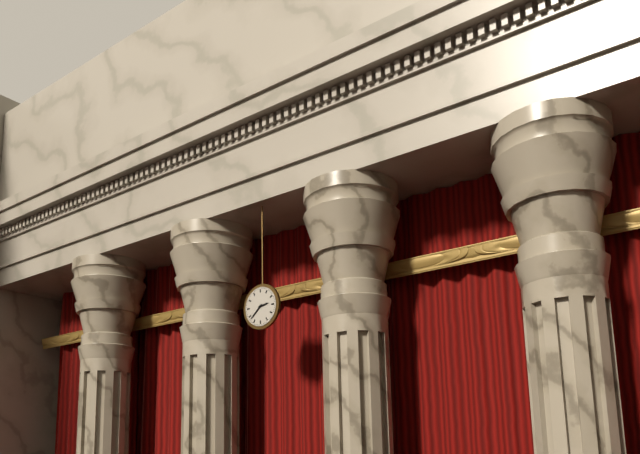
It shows 2:38
